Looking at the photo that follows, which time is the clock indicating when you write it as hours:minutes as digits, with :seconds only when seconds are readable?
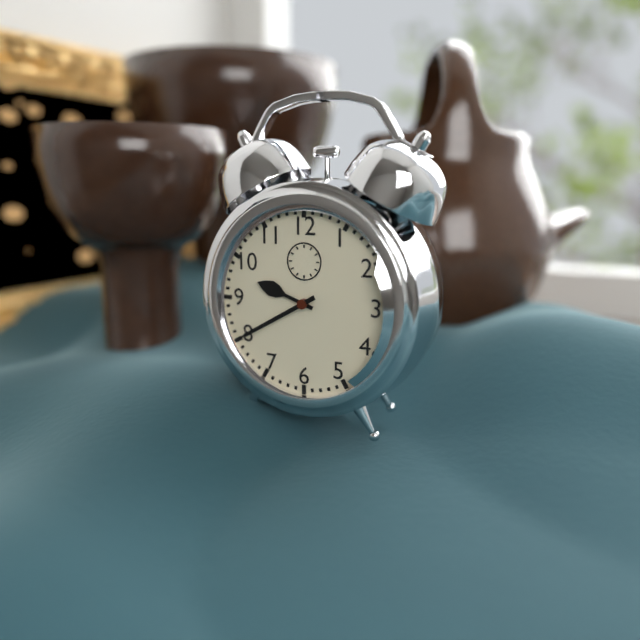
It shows 9:40
